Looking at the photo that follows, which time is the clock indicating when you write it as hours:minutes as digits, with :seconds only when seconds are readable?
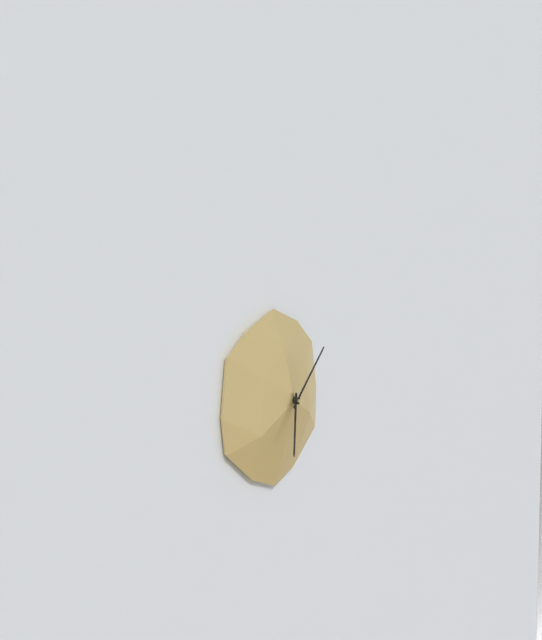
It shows 6:08
